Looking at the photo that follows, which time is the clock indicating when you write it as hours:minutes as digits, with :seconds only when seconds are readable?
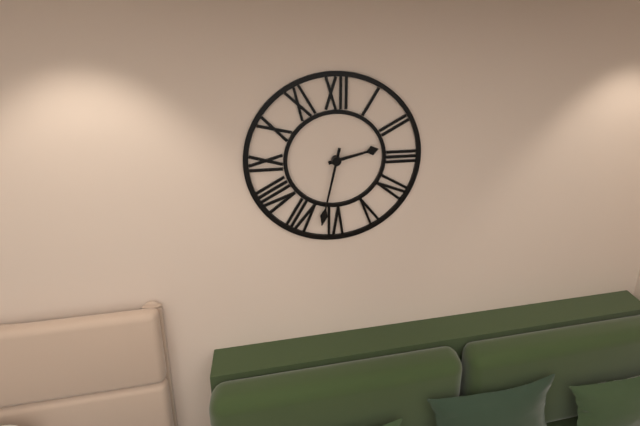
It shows 2:32
